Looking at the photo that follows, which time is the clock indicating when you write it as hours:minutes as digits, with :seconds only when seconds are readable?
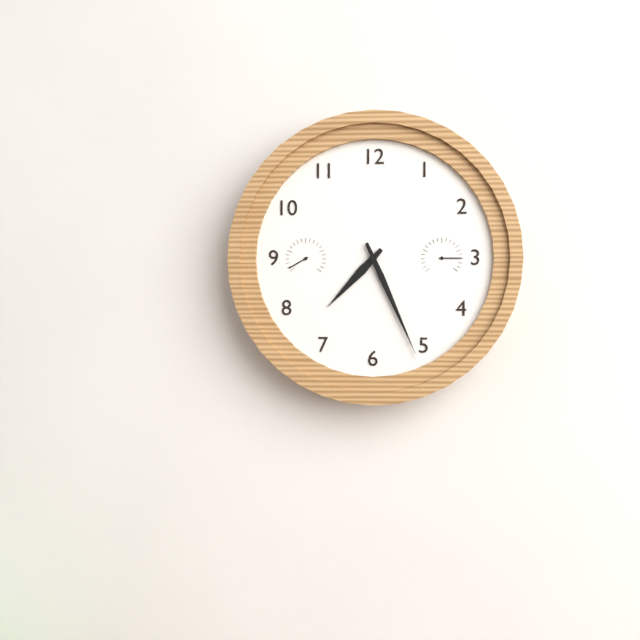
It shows 7:26
